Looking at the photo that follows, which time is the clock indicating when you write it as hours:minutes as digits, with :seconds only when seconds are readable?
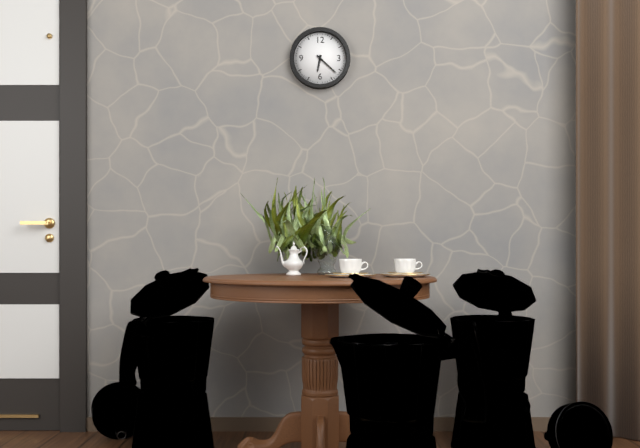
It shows 6:22
